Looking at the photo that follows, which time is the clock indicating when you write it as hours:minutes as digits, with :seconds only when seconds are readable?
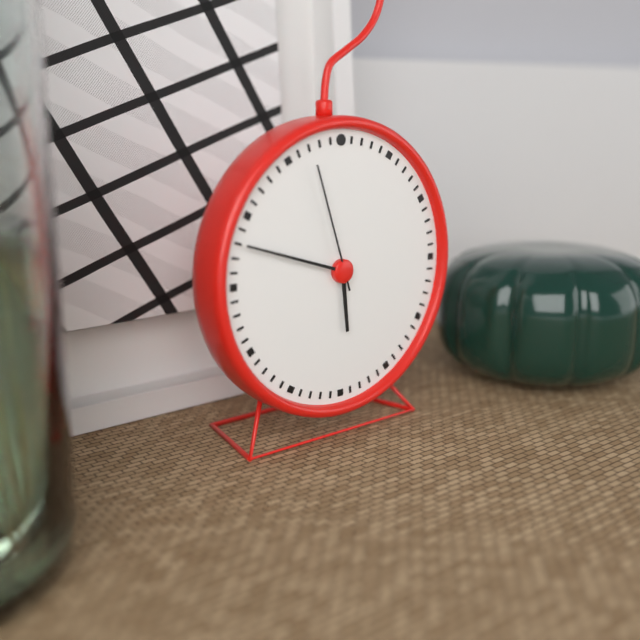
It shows 5:48:57
